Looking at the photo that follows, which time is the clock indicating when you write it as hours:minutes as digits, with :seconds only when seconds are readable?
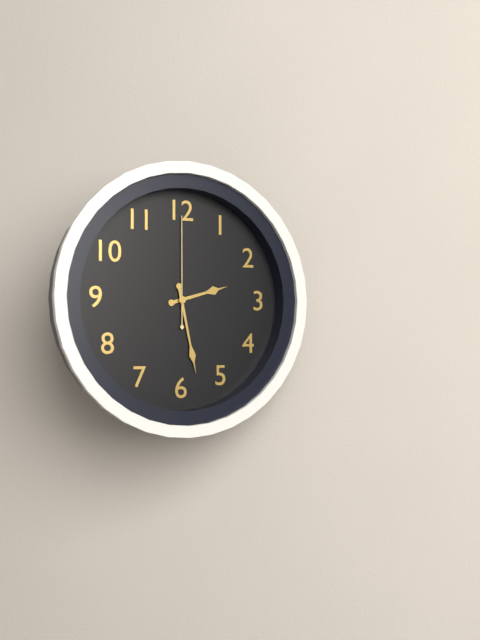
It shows 2:28:00
